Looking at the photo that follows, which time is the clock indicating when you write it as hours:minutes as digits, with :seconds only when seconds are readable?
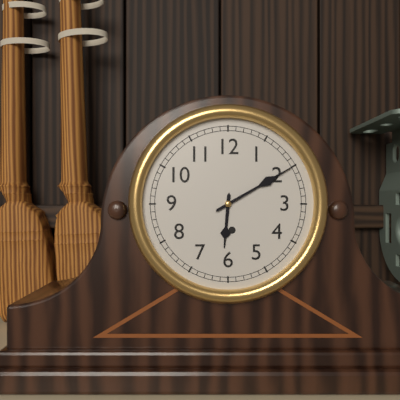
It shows 6:10
